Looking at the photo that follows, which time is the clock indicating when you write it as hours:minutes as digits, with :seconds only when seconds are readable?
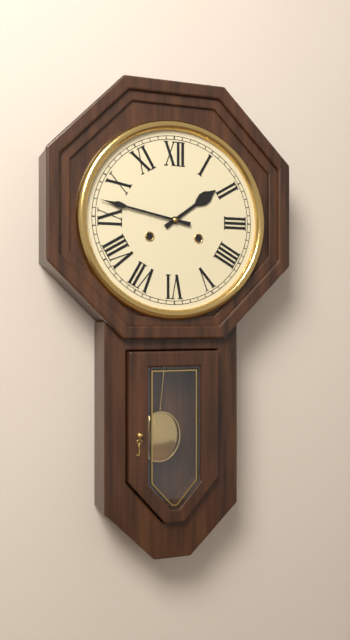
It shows 1:47
